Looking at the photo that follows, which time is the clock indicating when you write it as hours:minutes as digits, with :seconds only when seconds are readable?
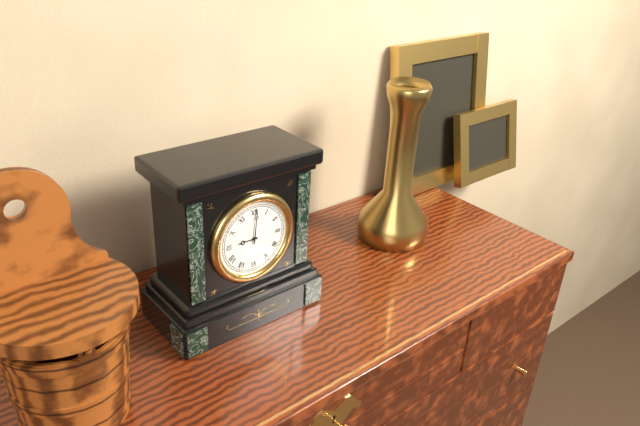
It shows 9:01
